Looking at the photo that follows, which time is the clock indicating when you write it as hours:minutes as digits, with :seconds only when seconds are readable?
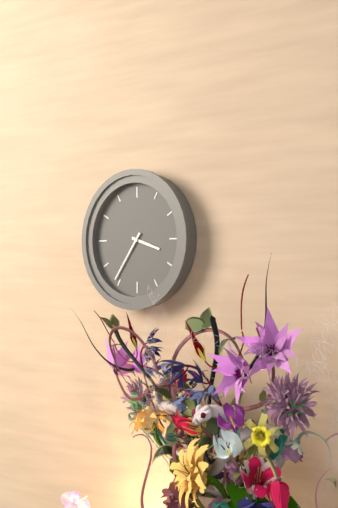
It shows 3:36
